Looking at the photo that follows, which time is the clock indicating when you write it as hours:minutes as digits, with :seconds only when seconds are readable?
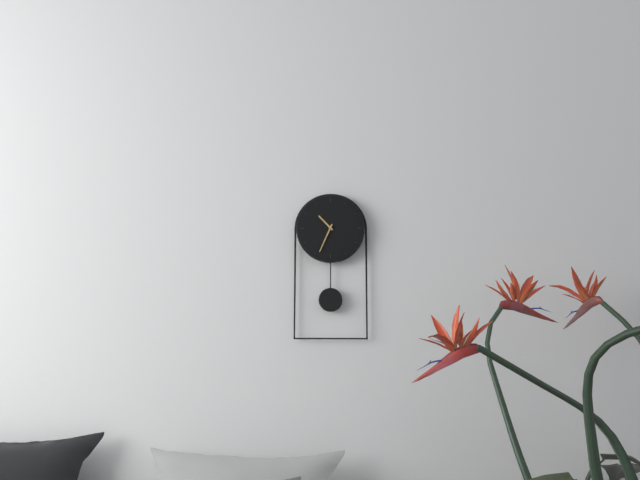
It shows 10:34
